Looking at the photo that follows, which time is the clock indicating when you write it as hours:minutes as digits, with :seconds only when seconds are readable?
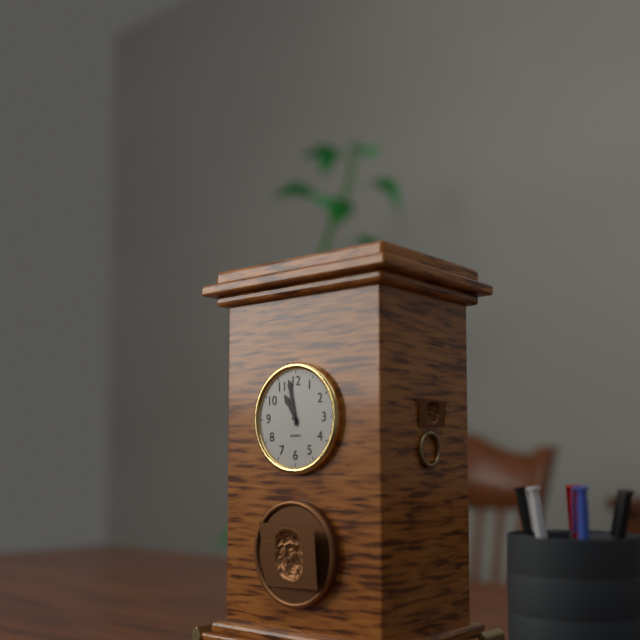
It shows 10:58
